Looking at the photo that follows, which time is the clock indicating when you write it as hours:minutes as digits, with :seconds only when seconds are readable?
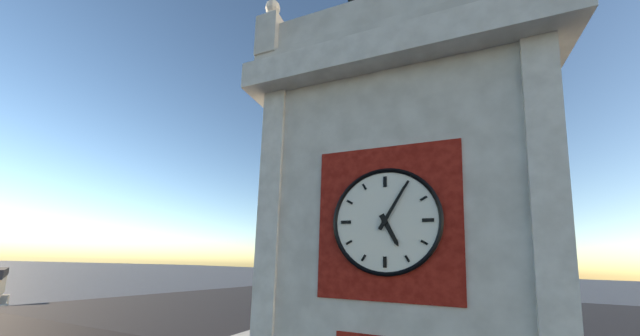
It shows 5:05
